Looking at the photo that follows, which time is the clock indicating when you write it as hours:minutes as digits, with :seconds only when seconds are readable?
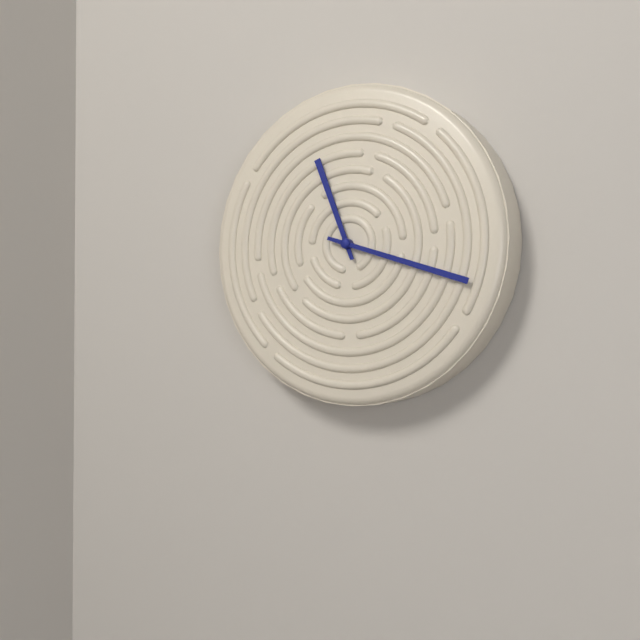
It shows 11:18
